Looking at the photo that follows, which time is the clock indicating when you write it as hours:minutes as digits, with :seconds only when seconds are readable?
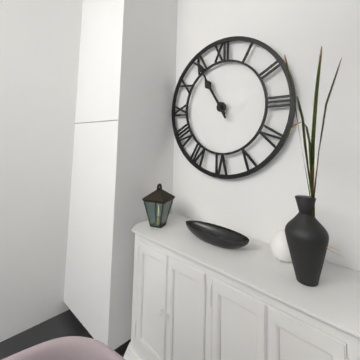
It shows 10:55
